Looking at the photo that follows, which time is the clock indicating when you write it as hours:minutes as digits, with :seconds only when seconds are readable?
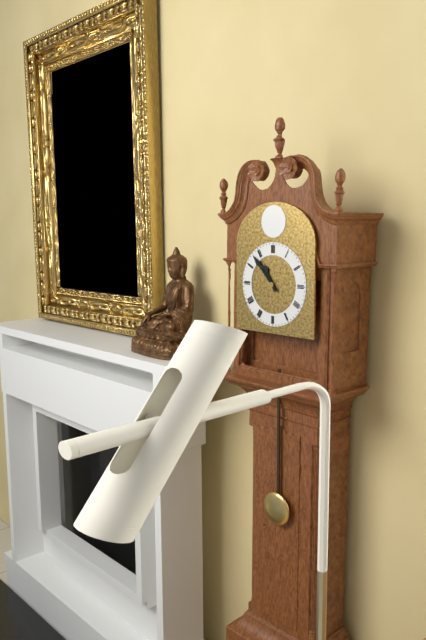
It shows 10:53
